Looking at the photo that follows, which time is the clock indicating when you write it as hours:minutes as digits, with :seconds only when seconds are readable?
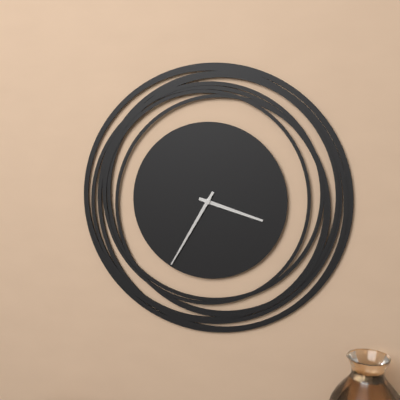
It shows 3:35
